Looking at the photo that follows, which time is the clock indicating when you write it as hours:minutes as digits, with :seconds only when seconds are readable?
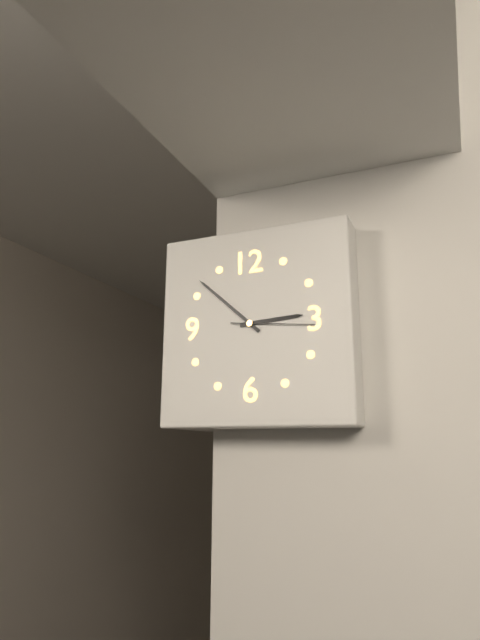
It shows 2:52:16
